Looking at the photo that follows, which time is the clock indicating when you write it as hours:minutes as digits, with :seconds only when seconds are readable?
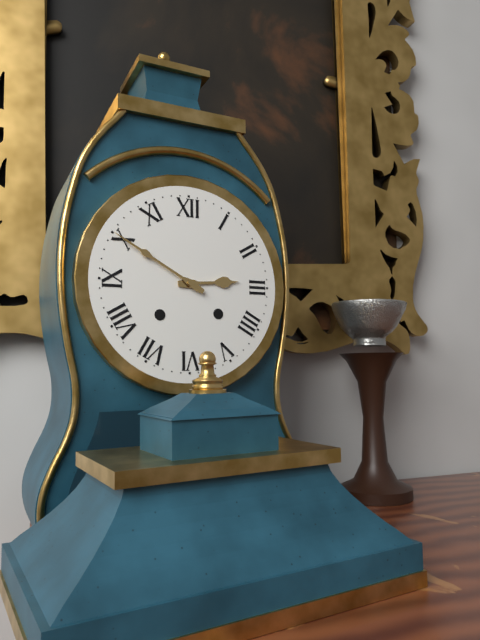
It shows 2:50
